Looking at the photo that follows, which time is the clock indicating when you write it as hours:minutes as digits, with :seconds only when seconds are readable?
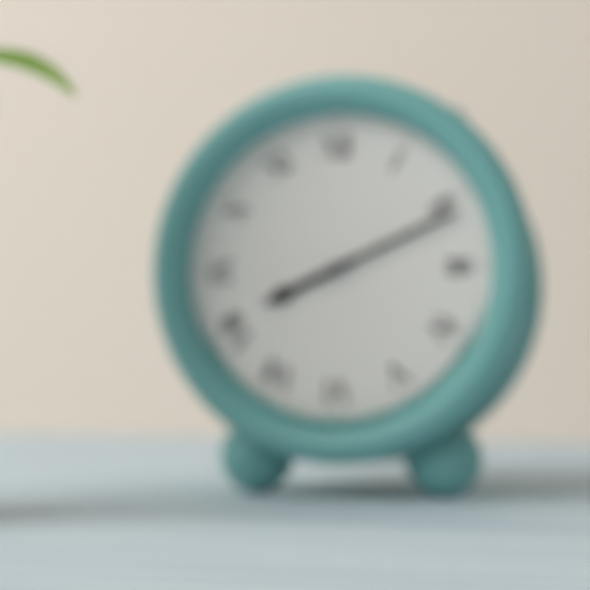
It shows 8:11
